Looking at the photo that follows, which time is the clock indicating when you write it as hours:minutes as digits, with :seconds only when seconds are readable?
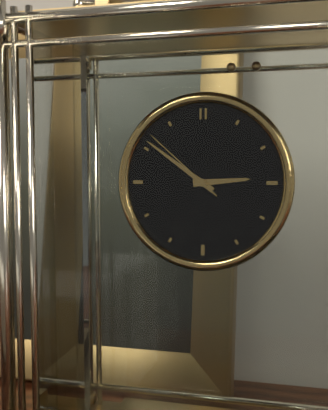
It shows 2:51:52
